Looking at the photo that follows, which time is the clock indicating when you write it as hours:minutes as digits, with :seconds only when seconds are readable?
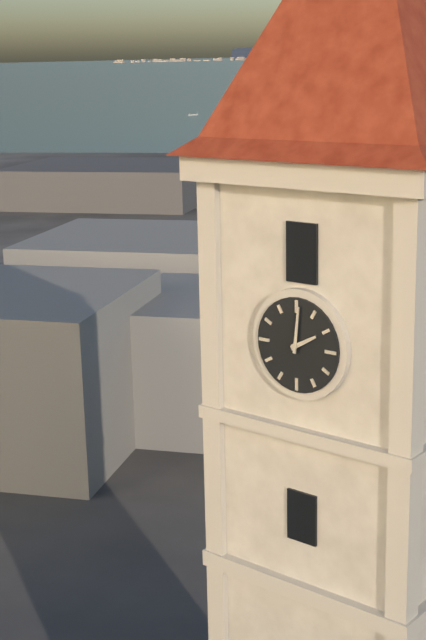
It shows 2:01
